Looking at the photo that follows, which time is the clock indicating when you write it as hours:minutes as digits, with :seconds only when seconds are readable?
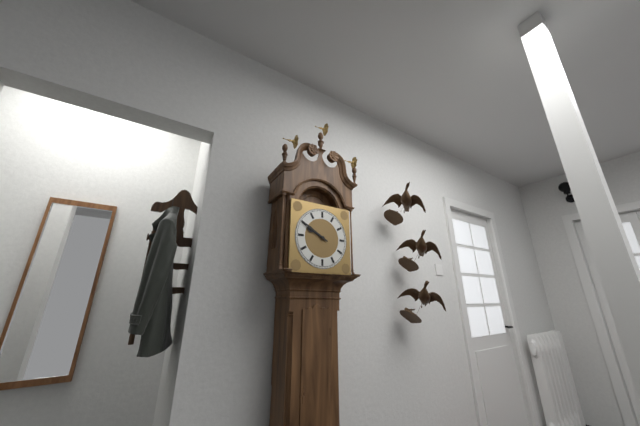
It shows 9:50
